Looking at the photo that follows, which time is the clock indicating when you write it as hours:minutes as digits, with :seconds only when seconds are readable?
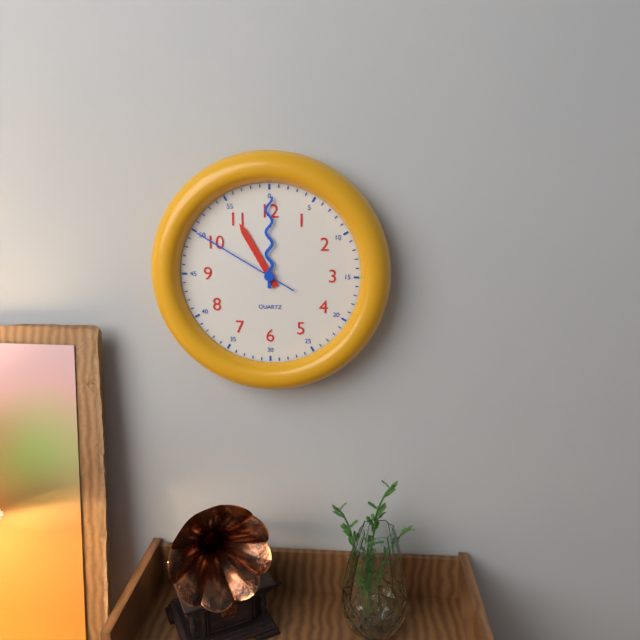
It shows 11:00:50
